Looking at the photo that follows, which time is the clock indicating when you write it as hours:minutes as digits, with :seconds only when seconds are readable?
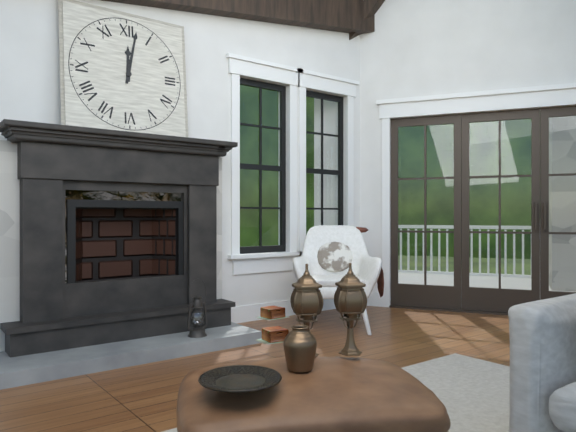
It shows 12:02
